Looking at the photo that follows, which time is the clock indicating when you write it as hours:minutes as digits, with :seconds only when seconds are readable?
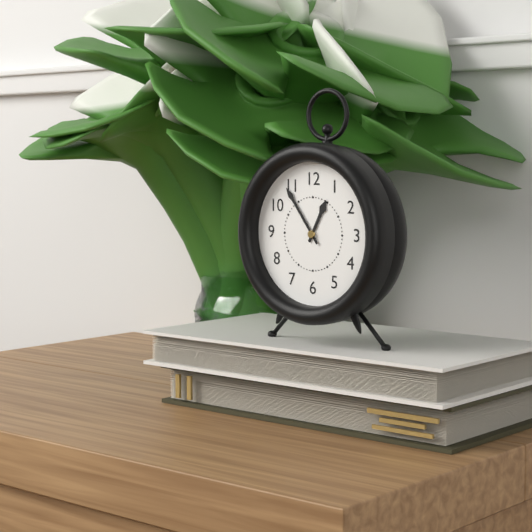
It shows 12:54
